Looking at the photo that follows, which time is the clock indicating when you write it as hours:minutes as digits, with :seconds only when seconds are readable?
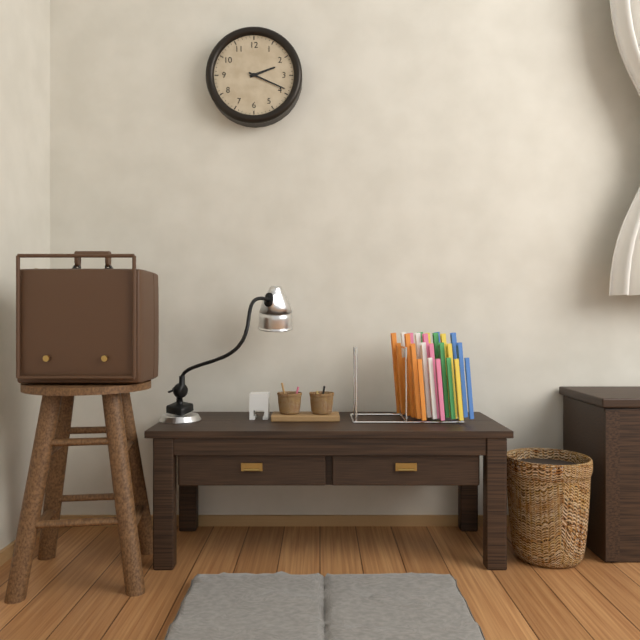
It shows 2:19
